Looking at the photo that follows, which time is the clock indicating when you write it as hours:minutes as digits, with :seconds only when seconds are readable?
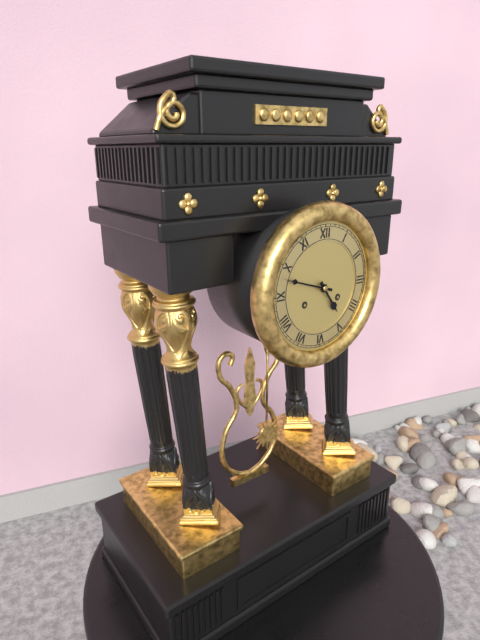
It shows 4:48
